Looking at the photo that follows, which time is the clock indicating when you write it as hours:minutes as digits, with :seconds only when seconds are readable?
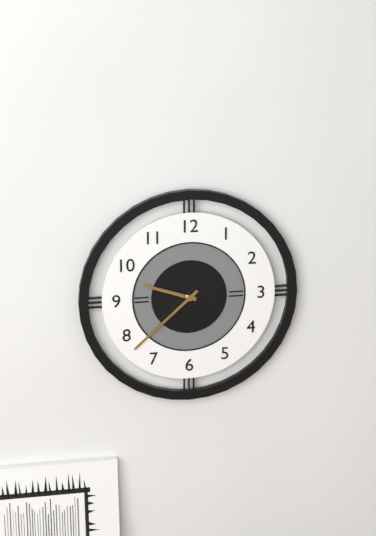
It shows 9:38
